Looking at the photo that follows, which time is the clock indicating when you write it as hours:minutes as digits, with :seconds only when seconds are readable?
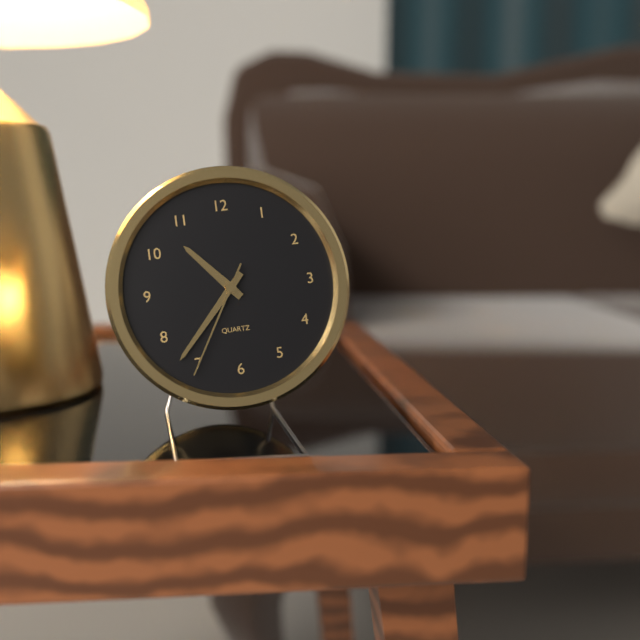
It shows 10:37:35
